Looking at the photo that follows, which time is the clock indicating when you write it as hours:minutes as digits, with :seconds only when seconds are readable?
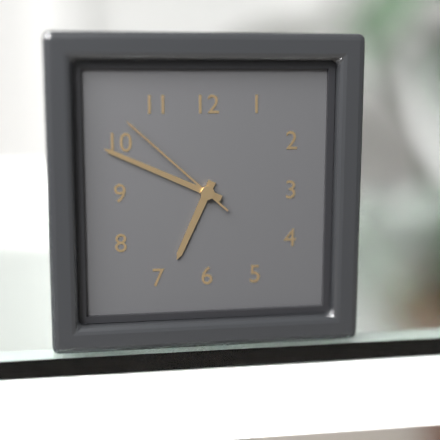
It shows 6:49:52
